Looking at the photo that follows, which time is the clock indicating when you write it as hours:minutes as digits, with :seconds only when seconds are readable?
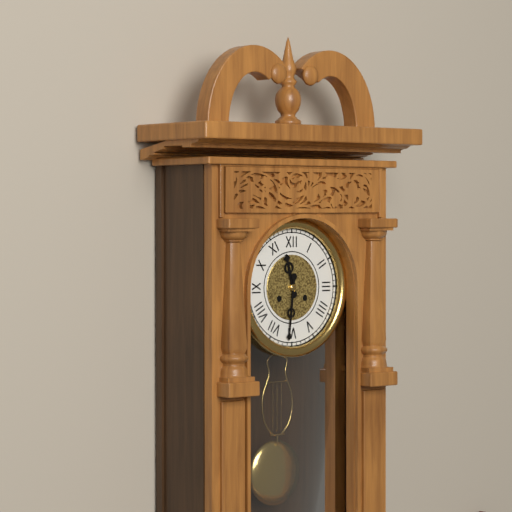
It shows 11:31
